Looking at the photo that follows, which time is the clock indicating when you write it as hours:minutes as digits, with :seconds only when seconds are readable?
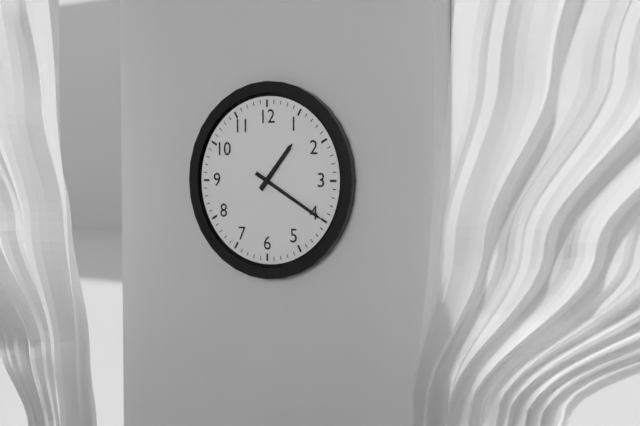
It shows 1:20
